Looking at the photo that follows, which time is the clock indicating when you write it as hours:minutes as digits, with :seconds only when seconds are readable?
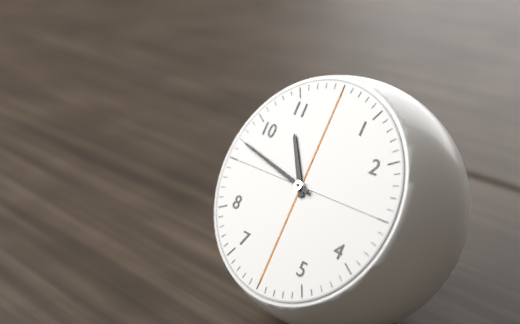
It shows 10:47
